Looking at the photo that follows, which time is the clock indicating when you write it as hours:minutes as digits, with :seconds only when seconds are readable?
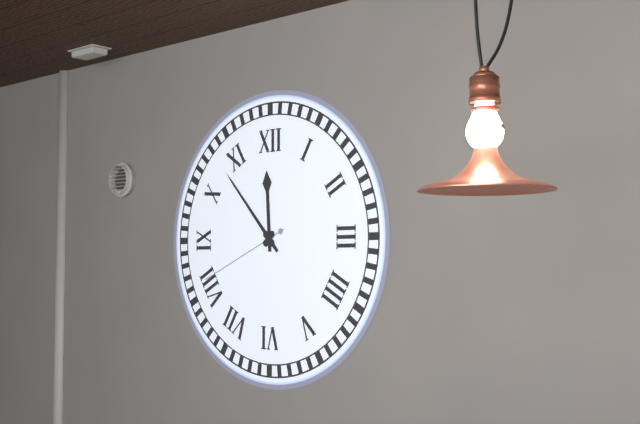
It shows 11:53:41
